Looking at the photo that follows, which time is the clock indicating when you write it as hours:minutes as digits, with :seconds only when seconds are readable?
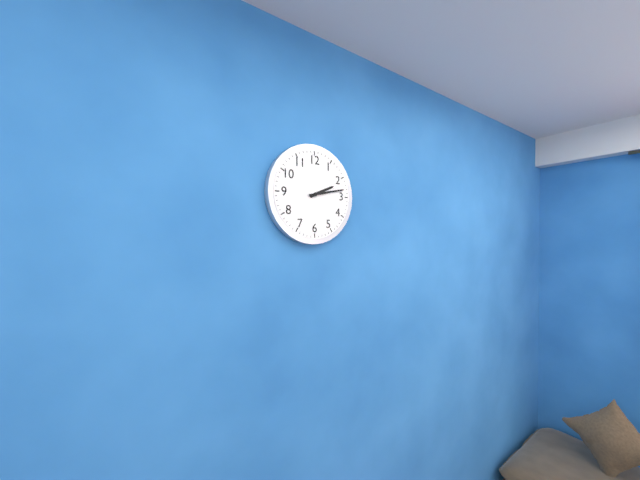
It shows 2:13
